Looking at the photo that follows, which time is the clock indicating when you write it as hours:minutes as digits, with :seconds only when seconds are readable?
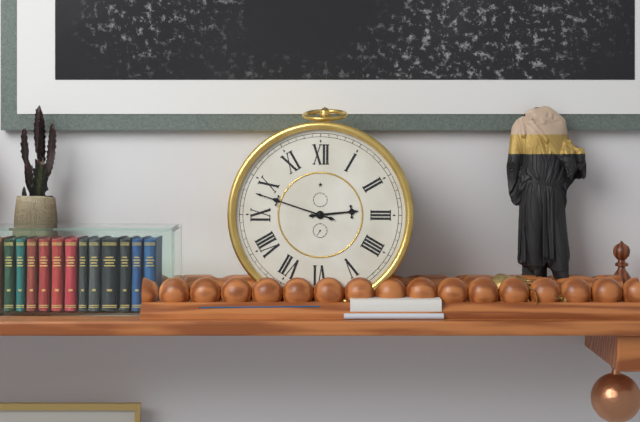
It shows 2:48
